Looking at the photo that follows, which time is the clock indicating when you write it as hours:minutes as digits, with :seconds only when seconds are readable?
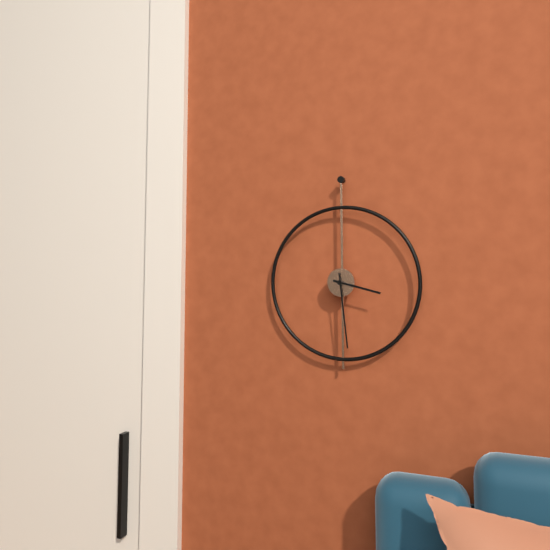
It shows 3:29
